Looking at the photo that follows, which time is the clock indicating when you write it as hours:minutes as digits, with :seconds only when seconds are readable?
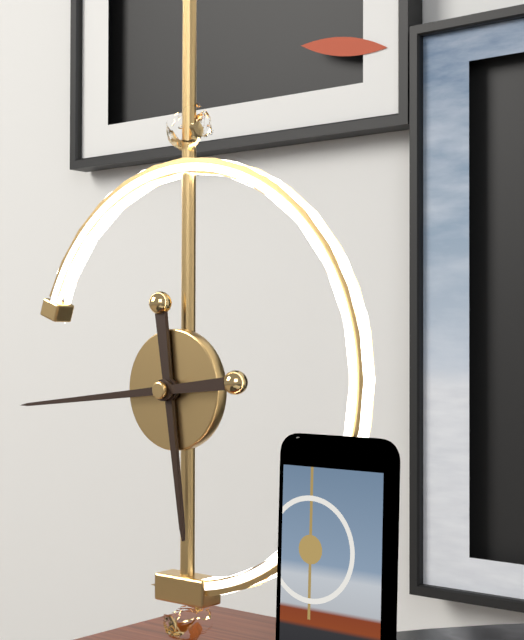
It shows 5:44
